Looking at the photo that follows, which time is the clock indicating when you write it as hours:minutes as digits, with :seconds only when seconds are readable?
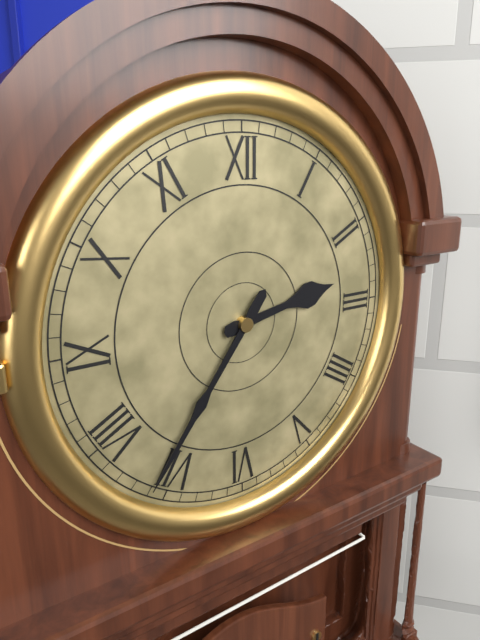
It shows 2:36
